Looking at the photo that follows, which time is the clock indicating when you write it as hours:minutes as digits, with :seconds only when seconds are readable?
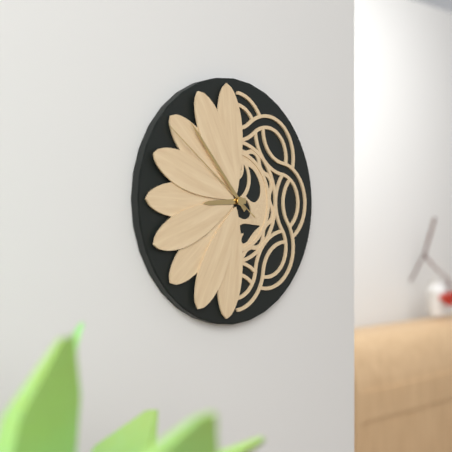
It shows 8:53:51
